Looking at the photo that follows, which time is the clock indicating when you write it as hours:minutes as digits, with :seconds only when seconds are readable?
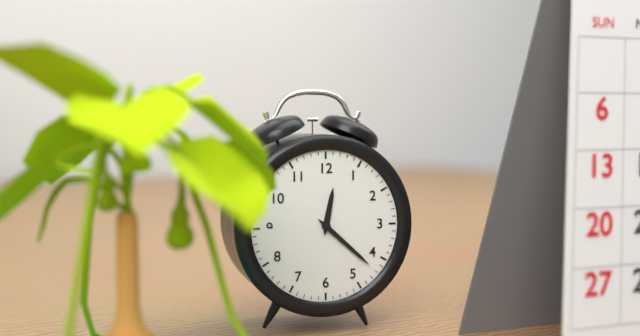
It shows 12:22
